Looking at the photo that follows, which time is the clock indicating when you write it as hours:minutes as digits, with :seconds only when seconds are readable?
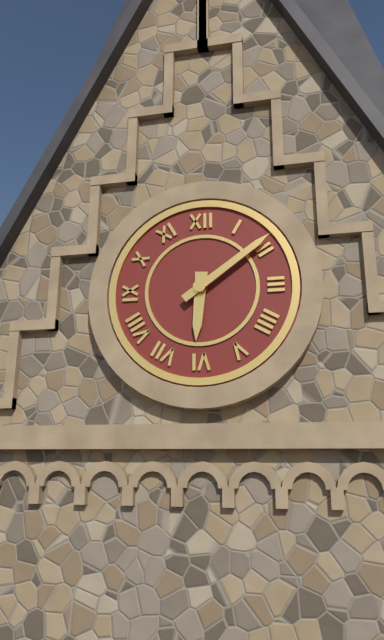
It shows 6:09
